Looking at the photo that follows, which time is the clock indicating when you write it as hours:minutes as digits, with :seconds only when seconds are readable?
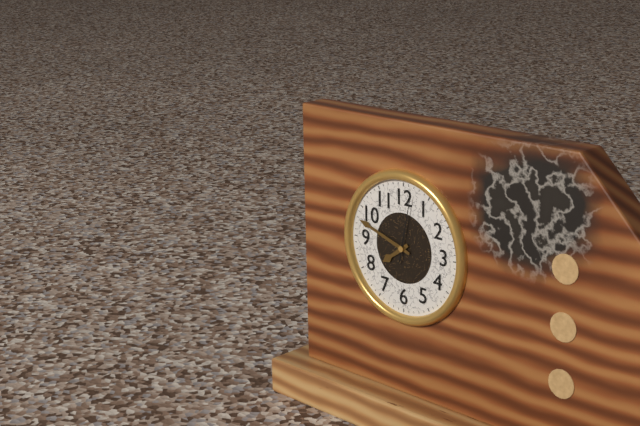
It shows 7:48:02
